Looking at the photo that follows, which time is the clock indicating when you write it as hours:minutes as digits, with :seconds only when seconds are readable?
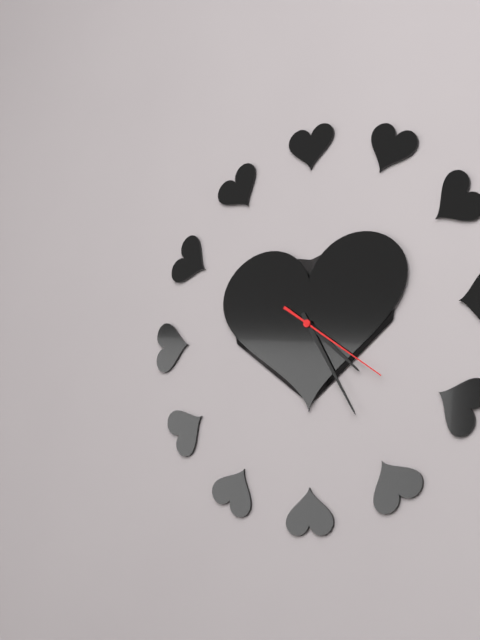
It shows 4:25:21
